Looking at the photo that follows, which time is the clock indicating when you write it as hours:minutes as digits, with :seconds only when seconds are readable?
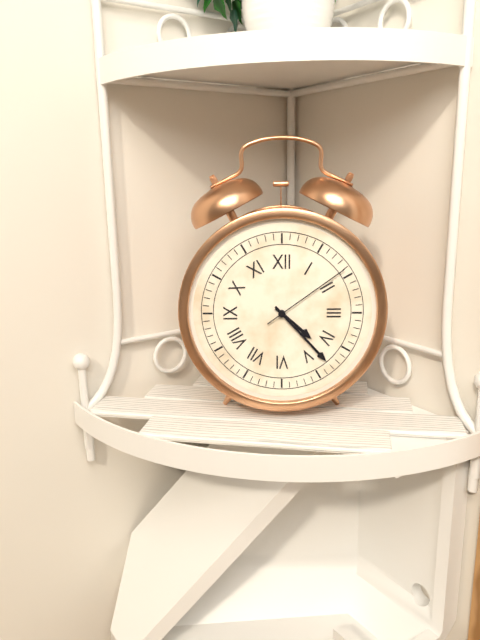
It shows 4:23:09
